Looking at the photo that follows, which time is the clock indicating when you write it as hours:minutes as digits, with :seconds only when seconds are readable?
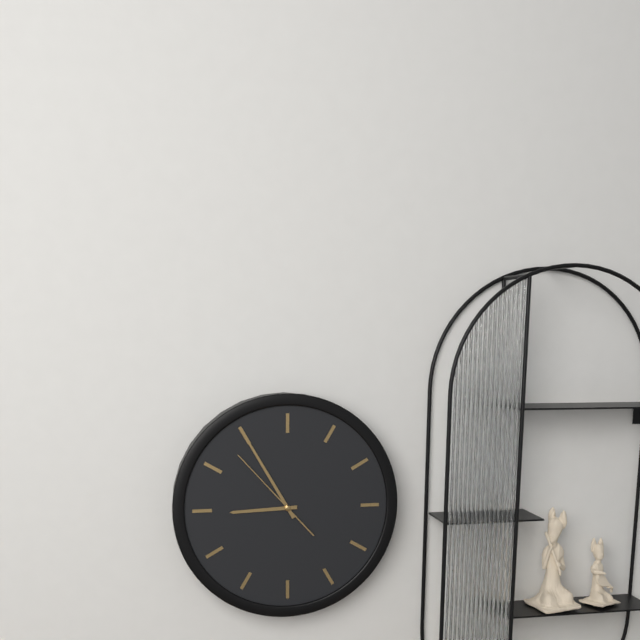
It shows 8:55:53
